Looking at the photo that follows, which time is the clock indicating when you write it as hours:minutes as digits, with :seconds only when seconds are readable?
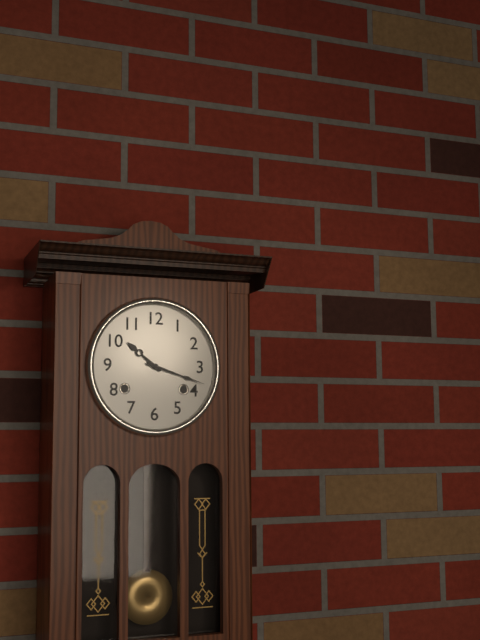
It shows 10:18
